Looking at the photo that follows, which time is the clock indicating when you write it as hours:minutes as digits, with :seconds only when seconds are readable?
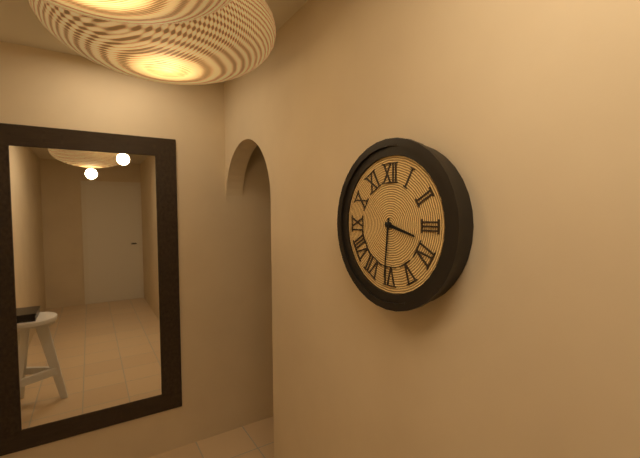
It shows 3:31
